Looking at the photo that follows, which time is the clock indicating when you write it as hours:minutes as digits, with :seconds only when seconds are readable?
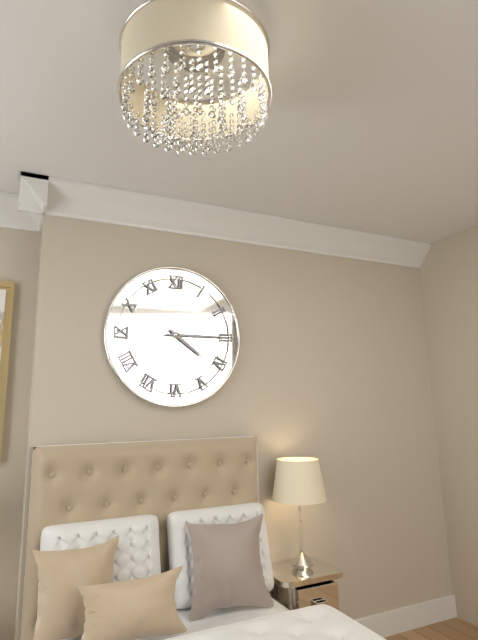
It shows 4:15
